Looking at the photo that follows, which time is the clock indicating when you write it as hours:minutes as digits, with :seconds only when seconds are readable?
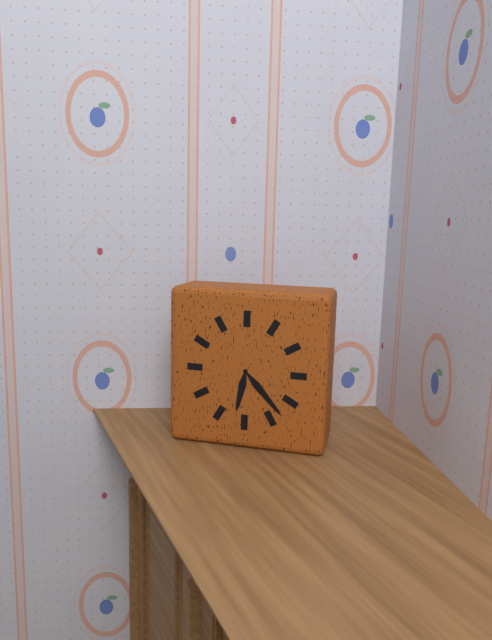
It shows 6:23
